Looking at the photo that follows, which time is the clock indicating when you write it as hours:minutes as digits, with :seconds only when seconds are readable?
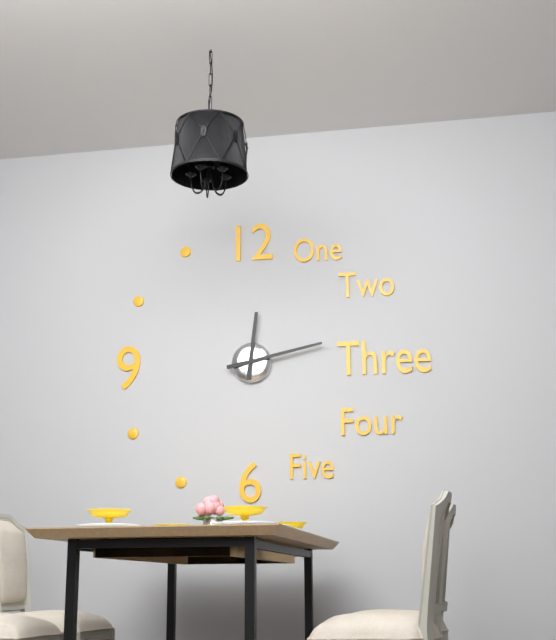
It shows 12:13
